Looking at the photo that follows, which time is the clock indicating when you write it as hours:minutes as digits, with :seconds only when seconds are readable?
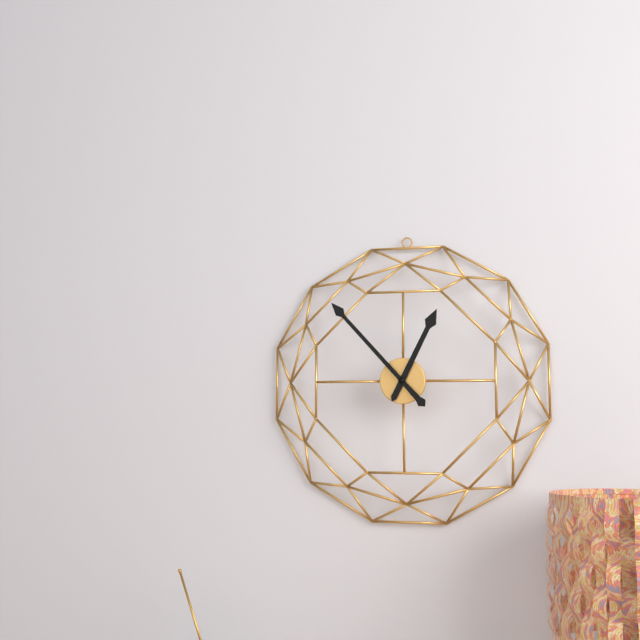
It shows 12:53
